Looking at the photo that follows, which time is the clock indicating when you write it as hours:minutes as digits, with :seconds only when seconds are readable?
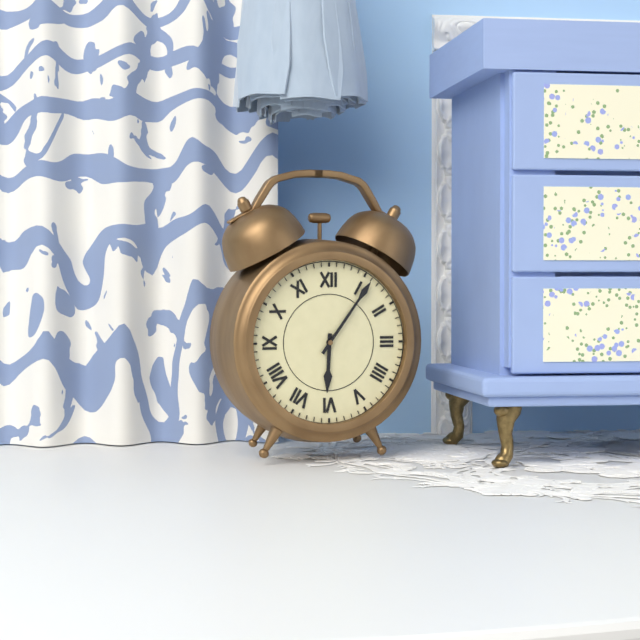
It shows 6:06
